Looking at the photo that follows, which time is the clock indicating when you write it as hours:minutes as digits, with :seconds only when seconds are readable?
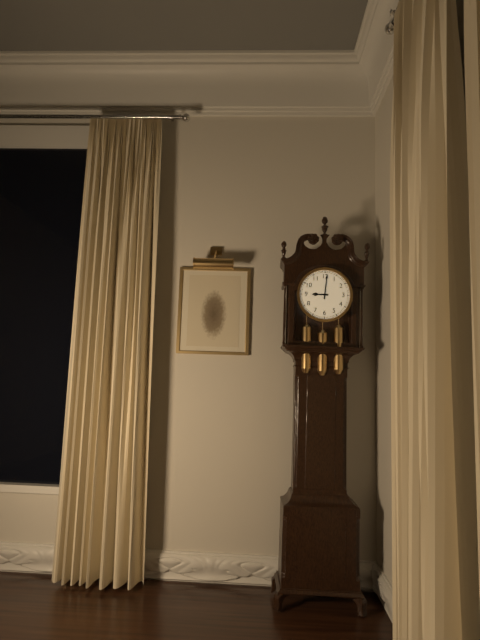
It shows 9:01
